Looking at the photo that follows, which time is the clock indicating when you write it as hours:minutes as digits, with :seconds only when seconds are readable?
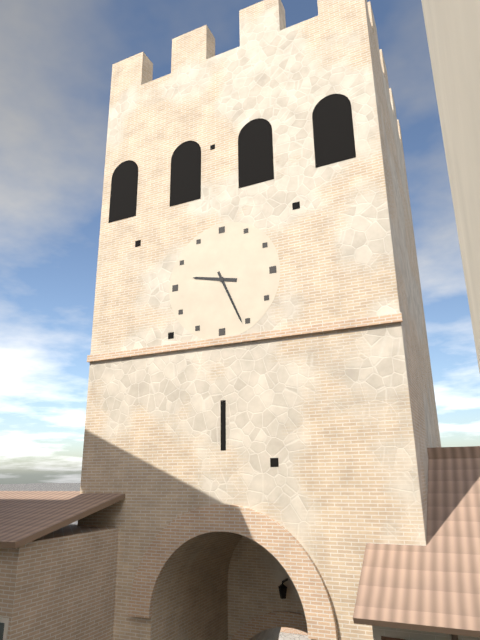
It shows 9:26
